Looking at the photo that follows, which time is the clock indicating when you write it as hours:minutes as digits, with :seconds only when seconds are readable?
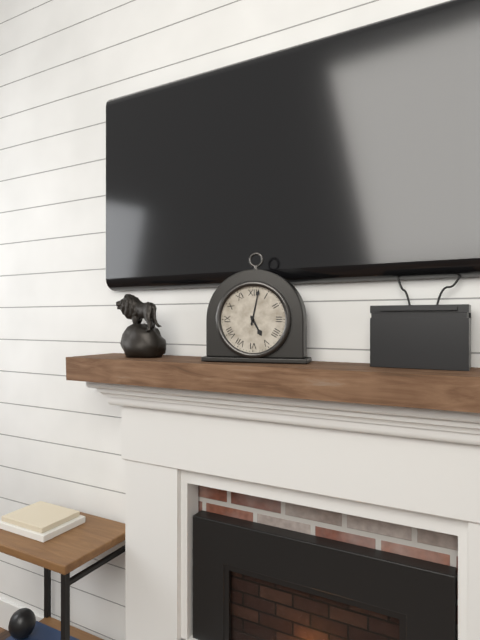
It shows 5:02
